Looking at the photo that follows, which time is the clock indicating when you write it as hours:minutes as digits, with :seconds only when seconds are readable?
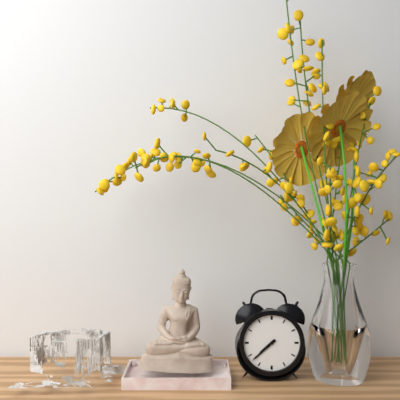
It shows 7:38
